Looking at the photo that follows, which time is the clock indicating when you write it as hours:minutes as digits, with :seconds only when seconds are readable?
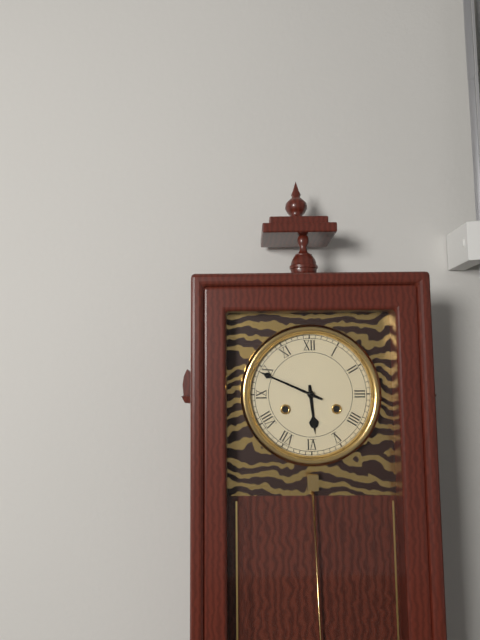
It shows 5:49
